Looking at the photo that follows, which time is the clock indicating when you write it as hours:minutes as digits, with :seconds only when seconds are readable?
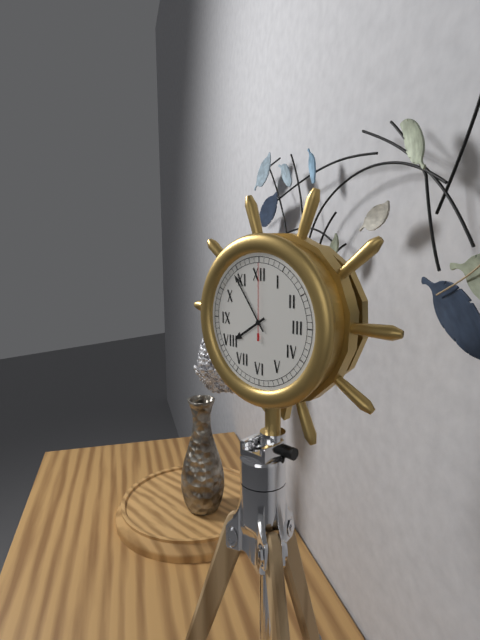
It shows 7:54:00
